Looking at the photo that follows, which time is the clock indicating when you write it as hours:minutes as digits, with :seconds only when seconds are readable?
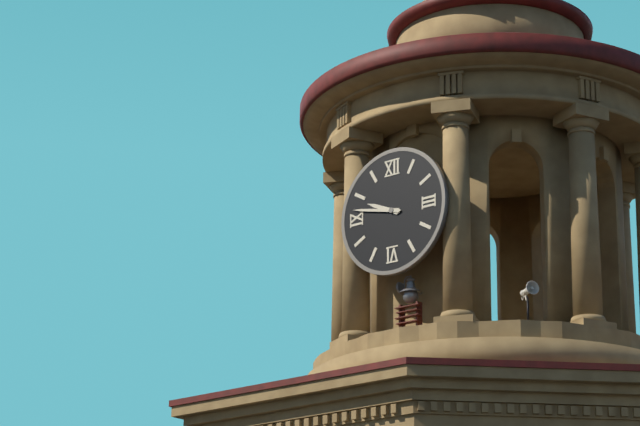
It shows 9:47
